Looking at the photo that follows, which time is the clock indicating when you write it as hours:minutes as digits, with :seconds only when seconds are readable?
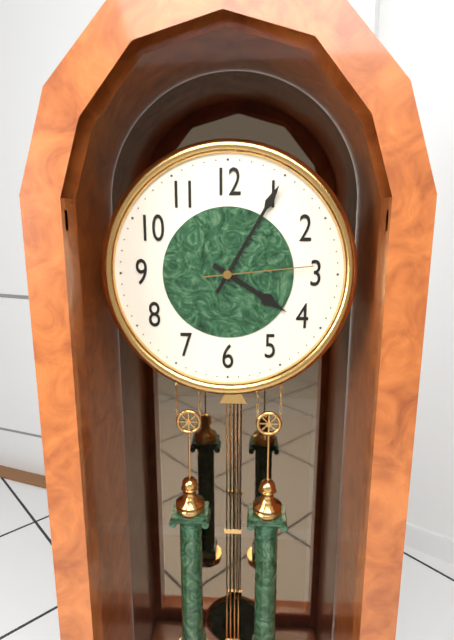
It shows 4:05:14
